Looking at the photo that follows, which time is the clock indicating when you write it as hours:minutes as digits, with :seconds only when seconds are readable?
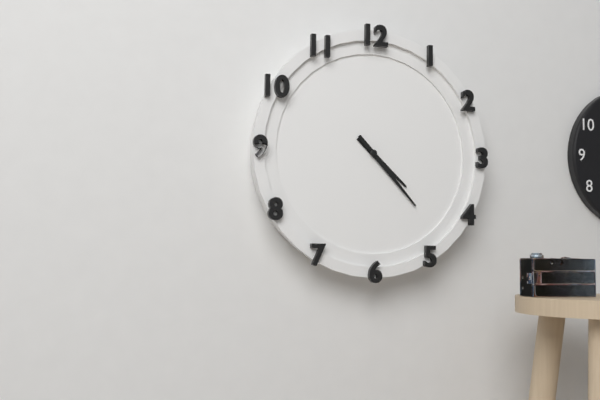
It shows 4:23
